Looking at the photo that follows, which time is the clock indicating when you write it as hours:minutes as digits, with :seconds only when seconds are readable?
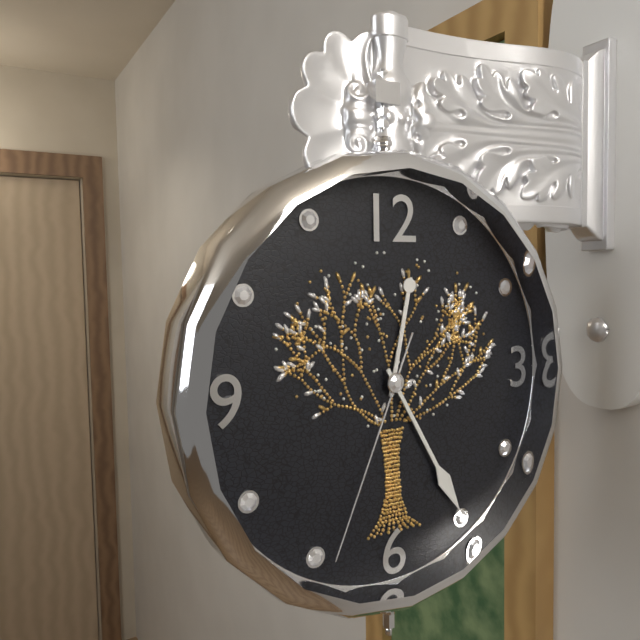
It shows 12:25:34
